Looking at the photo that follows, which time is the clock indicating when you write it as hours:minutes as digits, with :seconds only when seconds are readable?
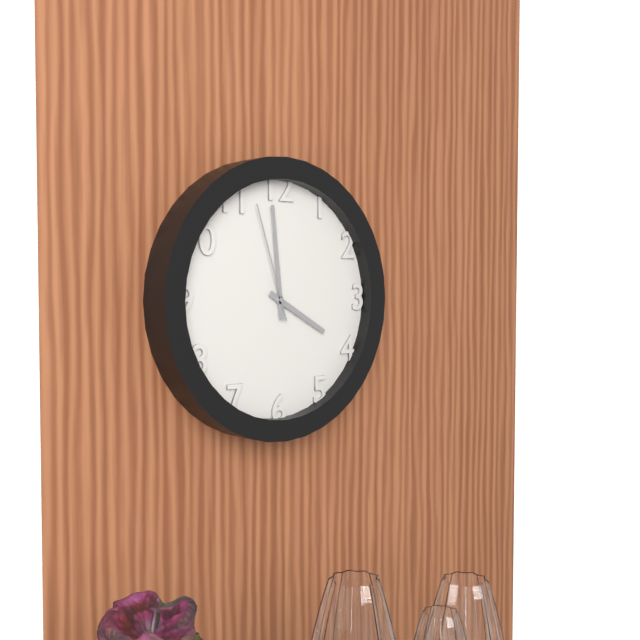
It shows 3:59:57
